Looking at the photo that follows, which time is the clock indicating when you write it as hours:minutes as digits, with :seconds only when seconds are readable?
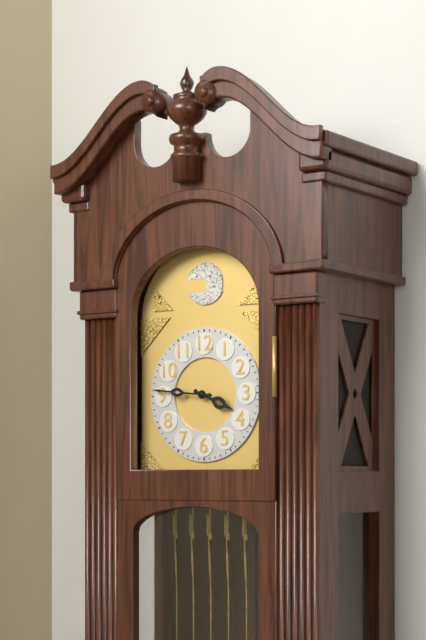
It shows 3:46
